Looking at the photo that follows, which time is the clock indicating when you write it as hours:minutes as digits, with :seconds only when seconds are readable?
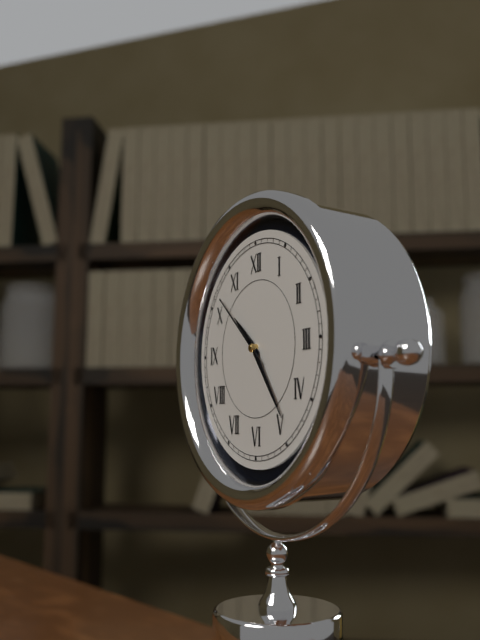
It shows 10:24:52
